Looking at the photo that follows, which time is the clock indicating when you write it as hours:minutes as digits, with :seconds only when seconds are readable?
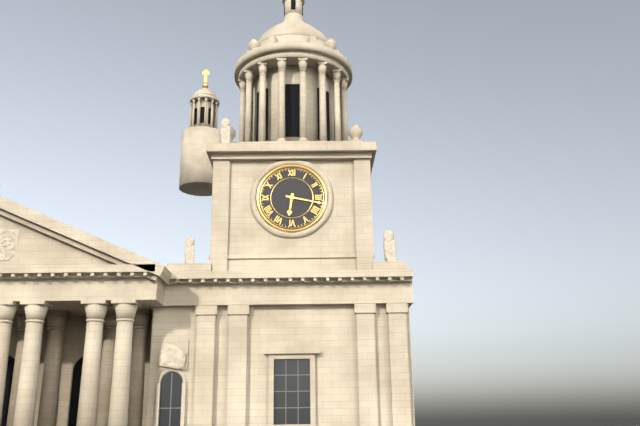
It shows 6:17
